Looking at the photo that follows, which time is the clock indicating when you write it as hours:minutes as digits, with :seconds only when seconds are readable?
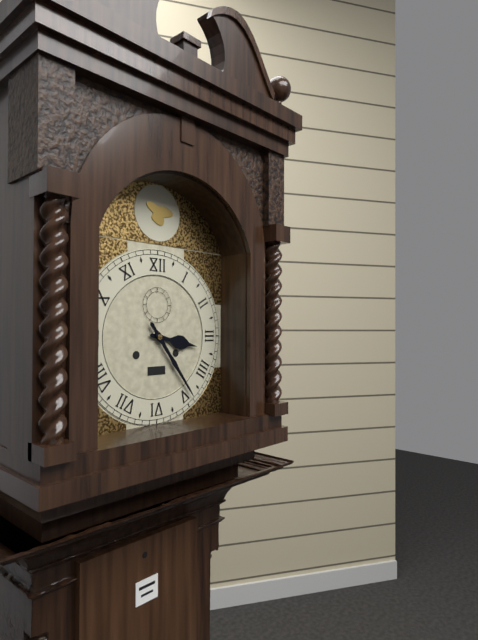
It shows 3:24
